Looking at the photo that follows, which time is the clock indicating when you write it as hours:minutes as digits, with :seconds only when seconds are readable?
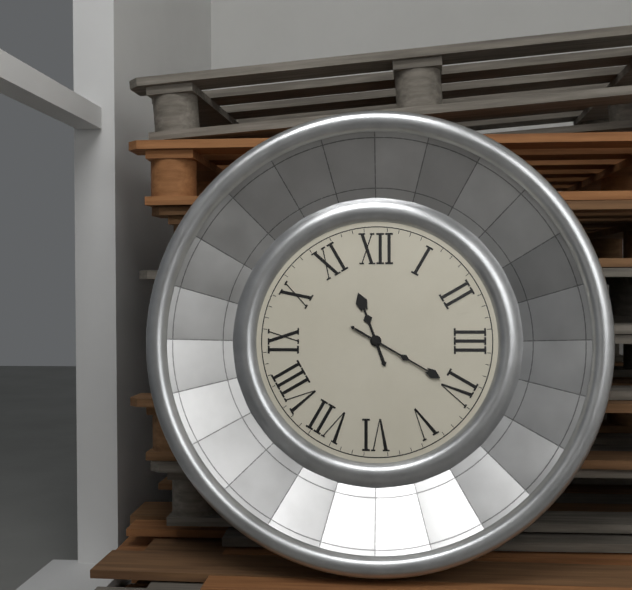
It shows 11:20
